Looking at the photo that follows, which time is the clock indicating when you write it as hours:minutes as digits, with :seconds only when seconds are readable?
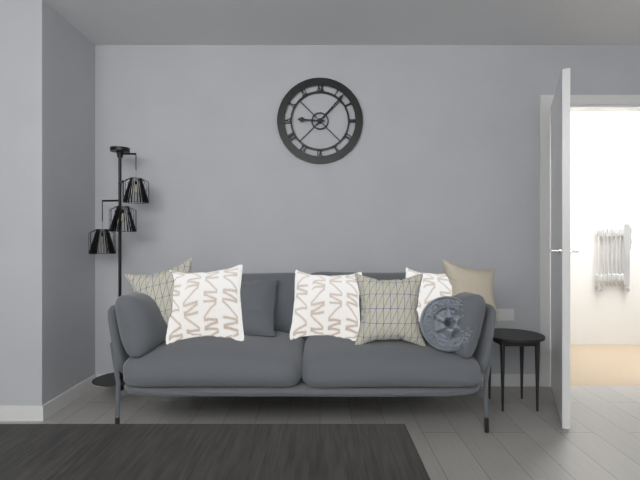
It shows 9:07
